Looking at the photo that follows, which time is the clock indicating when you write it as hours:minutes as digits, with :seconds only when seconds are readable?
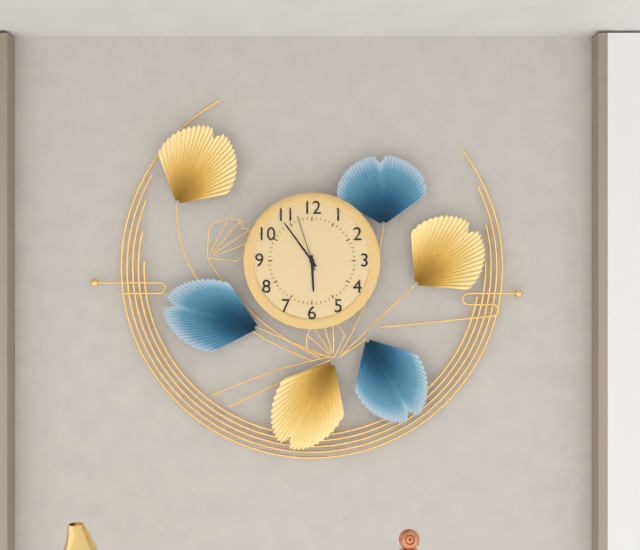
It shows 5:54:57
